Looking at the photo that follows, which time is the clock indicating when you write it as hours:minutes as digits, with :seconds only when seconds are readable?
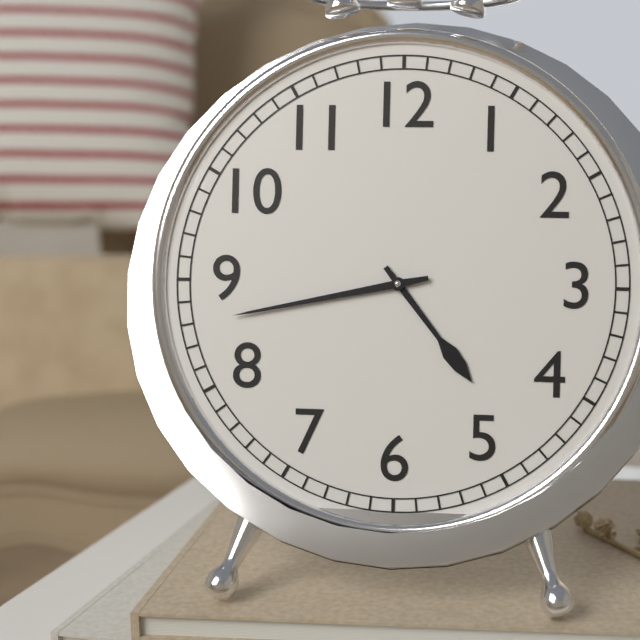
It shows 4:43
